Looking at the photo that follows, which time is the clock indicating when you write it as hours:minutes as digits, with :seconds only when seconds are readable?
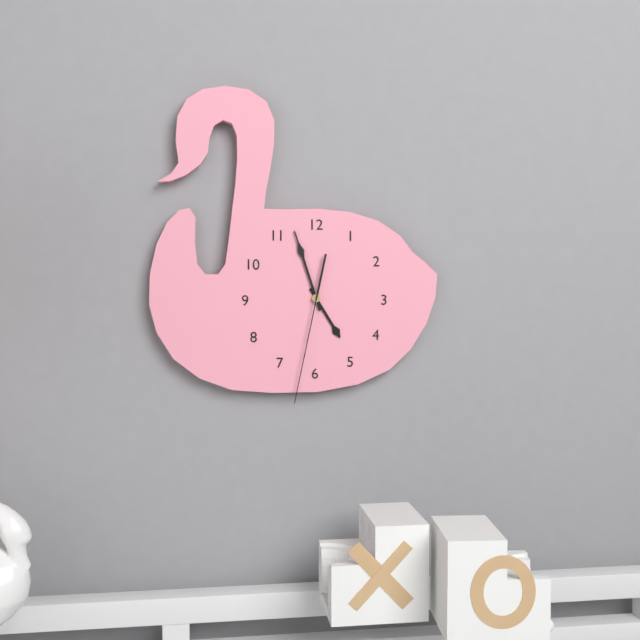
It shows 4:57:32
